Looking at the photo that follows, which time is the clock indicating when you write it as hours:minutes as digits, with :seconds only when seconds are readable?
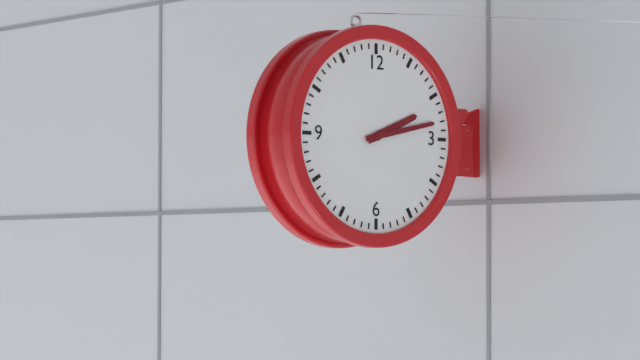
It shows 2:13
